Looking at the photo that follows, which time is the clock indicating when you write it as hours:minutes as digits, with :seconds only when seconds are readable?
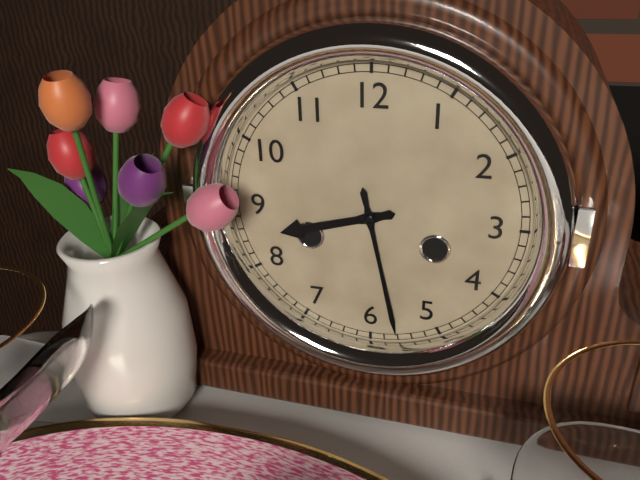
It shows 8:28
